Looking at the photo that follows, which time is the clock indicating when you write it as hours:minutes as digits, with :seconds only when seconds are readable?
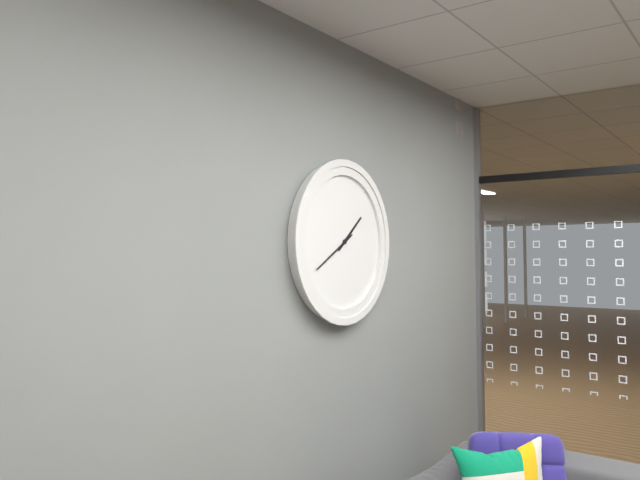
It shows 1:40
